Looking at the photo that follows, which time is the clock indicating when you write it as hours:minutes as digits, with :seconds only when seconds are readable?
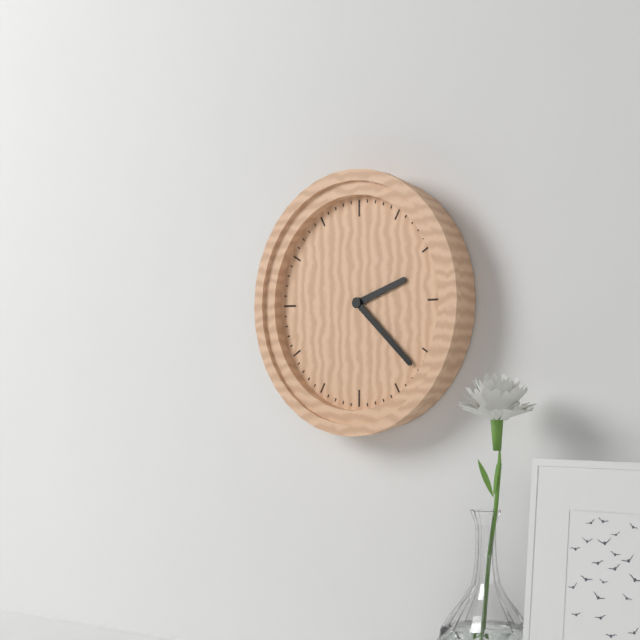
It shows 2:22
